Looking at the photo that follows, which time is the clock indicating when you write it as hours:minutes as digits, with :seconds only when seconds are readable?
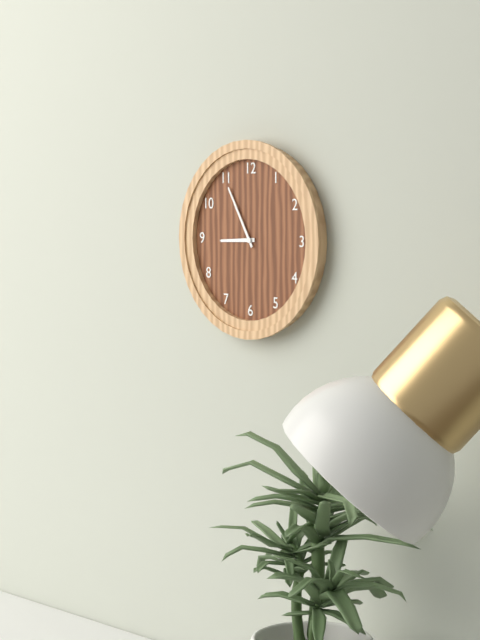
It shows 8:55
